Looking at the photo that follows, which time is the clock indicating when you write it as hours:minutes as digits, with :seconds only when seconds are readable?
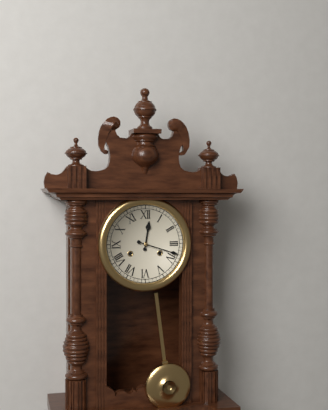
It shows 12:18
